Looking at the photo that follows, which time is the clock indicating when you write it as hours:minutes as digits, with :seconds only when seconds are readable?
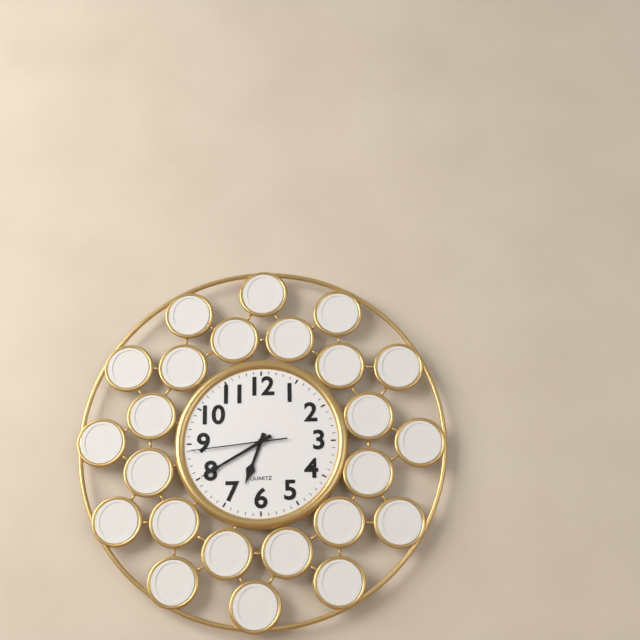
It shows 6:40:44
